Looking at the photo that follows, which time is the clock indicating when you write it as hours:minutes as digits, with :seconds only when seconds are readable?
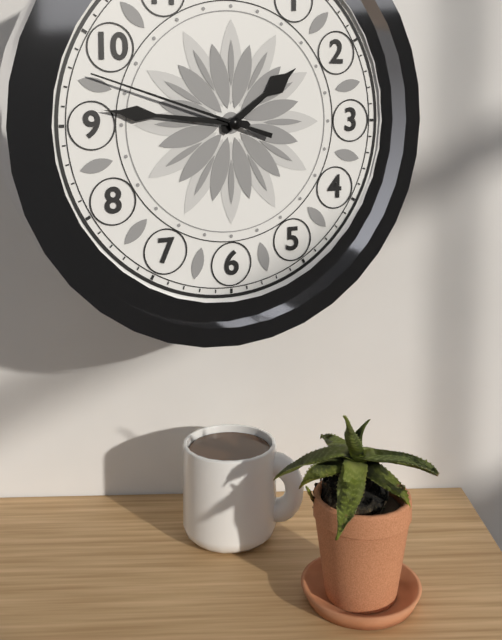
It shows 1:46:48
